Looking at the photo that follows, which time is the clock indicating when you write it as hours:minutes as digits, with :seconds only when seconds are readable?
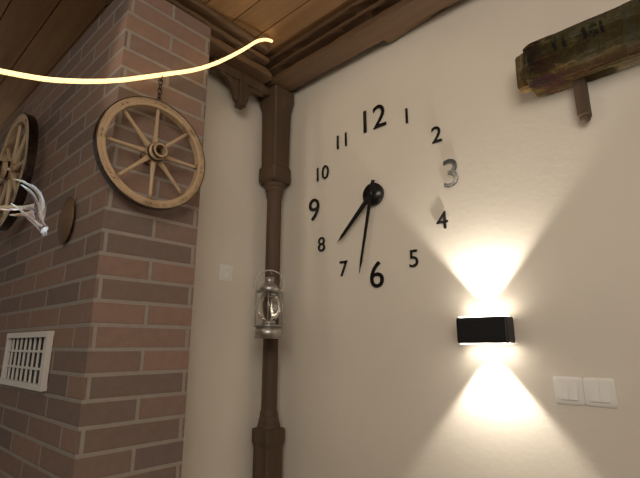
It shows 7:32
